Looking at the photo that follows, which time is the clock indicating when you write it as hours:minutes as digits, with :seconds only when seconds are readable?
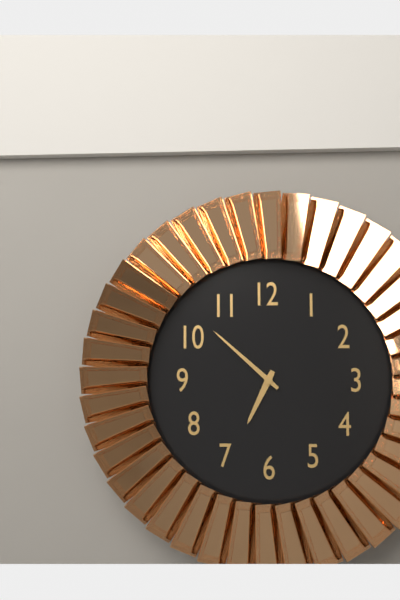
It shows 6:52
